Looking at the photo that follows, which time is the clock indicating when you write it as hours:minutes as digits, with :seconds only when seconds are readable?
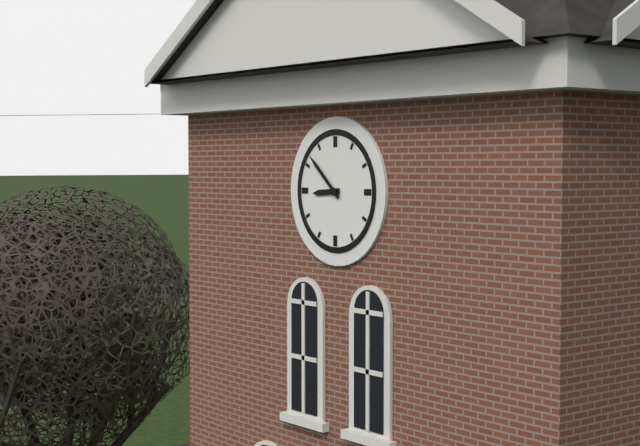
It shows 8:52
